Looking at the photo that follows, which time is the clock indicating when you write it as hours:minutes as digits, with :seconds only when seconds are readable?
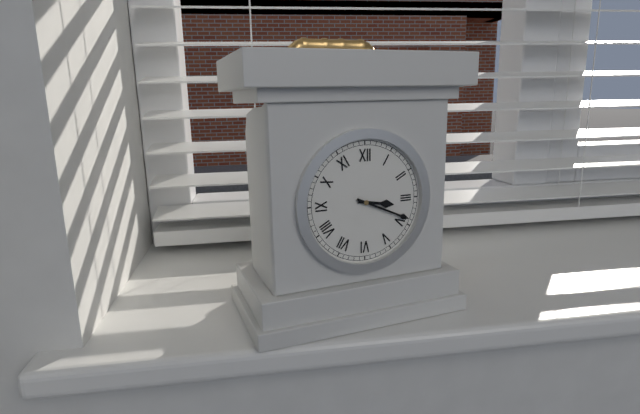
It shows 3:19
